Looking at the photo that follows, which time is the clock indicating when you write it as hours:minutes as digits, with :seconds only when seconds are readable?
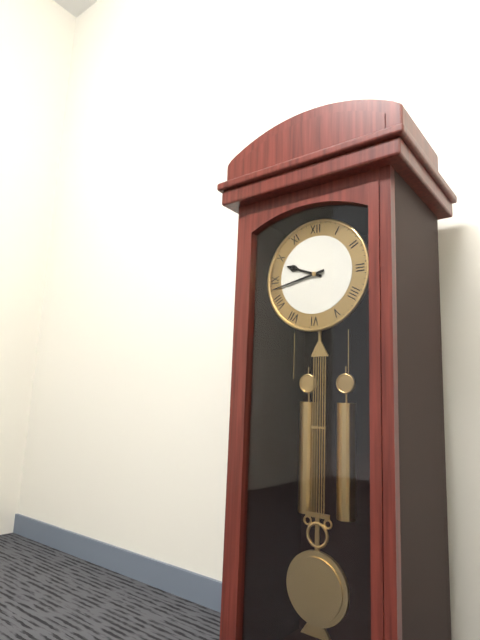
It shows 9:43
